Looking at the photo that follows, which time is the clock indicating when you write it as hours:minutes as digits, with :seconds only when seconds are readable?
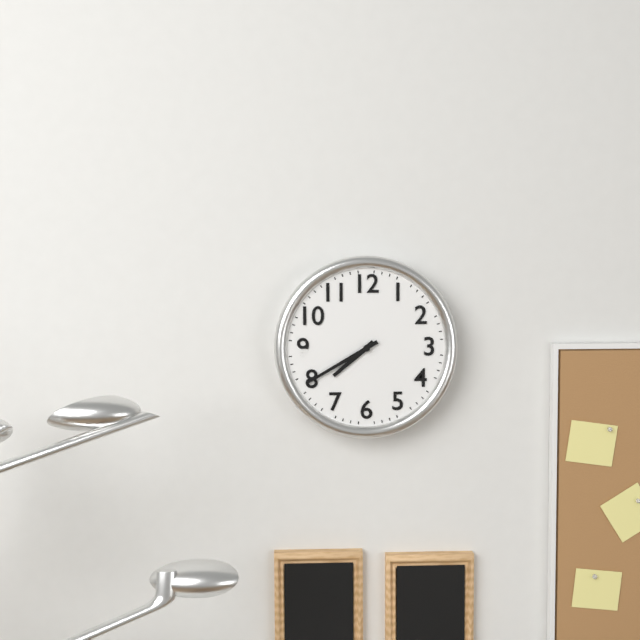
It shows 7:40
